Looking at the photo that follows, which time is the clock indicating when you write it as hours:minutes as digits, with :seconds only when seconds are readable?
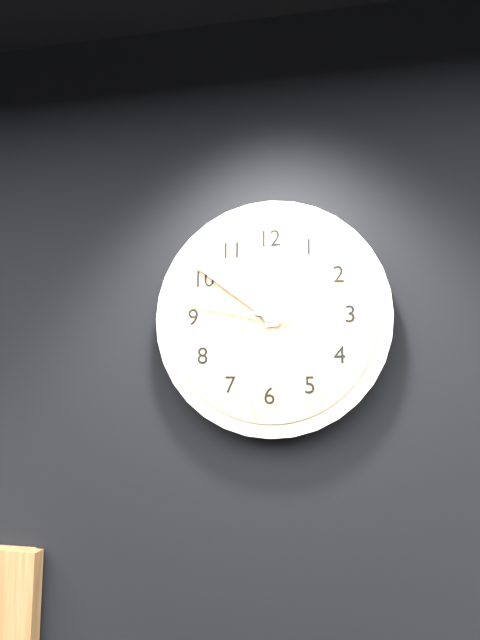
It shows 11:51:47
